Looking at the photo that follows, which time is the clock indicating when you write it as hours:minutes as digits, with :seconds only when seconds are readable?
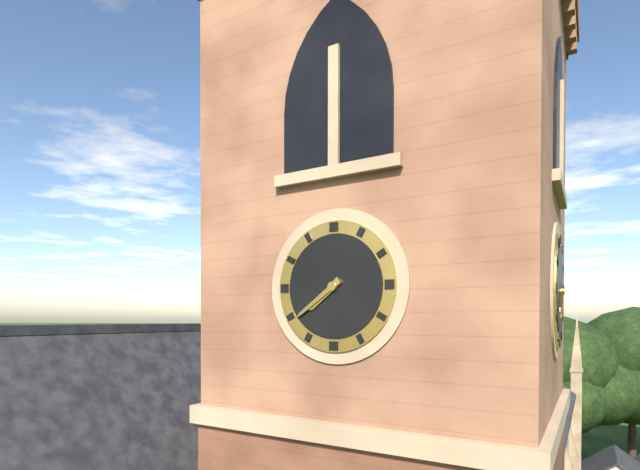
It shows 7:39
